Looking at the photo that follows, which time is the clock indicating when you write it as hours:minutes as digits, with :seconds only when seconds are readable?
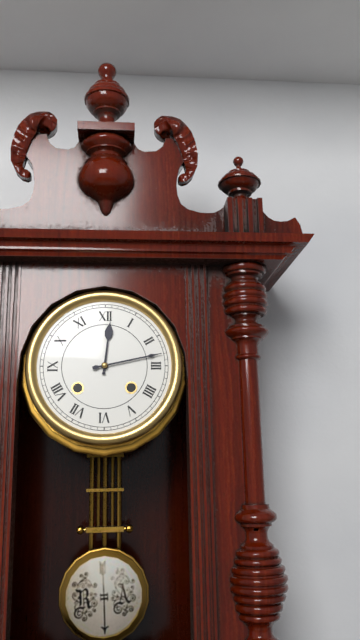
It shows 12:13
